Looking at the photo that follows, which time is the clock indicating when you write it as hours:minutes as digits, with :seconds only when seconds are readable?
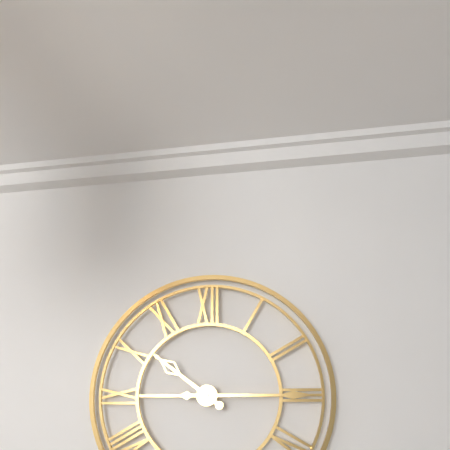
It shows 10:15
